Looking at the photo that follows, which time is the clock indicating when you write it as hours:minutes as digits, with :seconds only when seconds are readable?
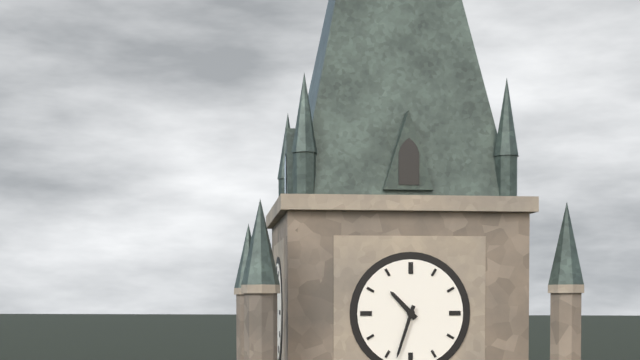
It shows 10:33
